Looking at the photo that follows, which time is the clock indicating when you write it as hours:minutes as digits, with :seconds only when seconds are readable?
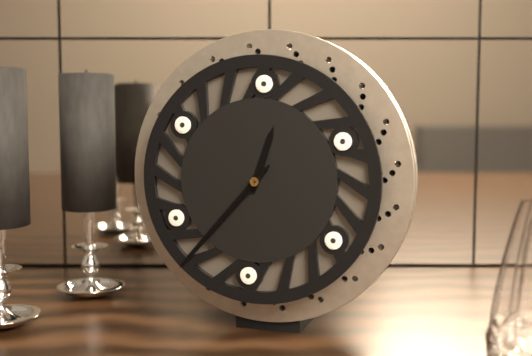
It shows 12:37:37
